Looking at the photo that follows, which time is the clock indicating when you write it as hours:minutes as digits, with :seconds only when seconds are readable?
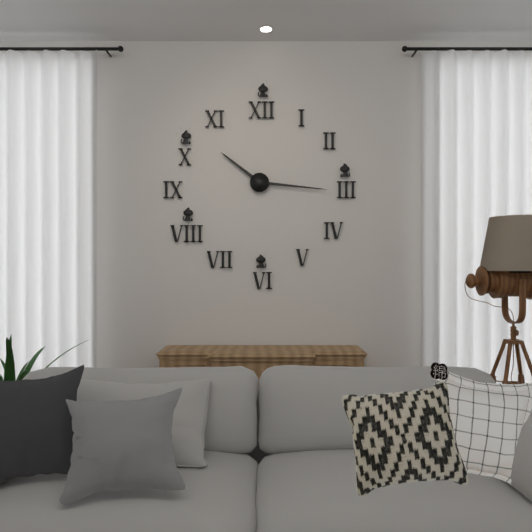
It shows 10:16
